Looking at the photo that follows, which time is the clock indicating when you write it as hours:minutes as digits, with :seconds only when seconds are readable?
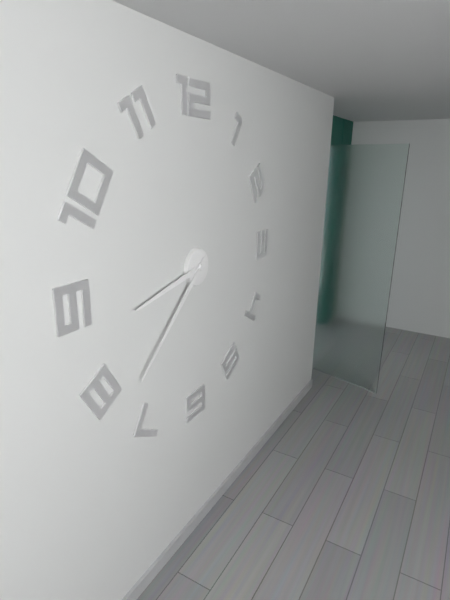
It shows 8:38
